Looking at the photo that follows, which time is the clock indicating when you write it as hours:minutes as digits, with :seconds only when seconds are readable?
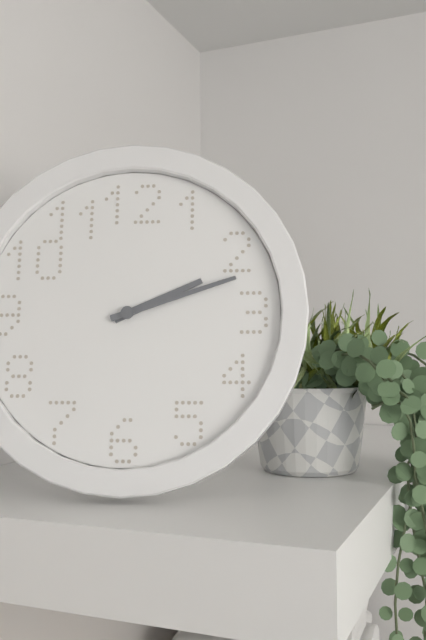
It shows 2:12
